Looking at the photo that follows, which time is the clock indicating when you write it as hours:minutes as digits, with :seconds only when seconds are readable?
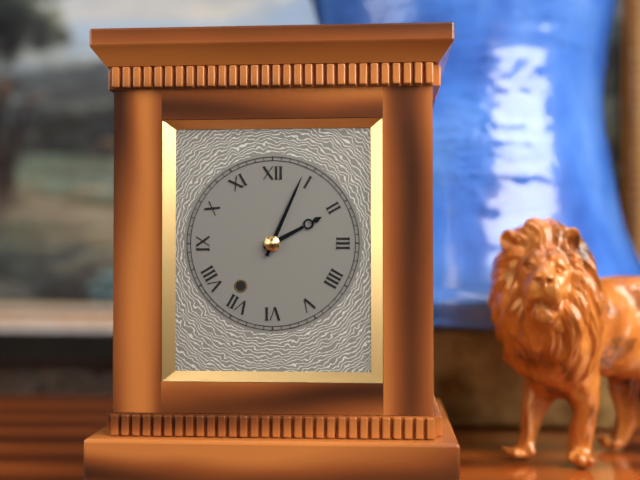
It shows 2:04
